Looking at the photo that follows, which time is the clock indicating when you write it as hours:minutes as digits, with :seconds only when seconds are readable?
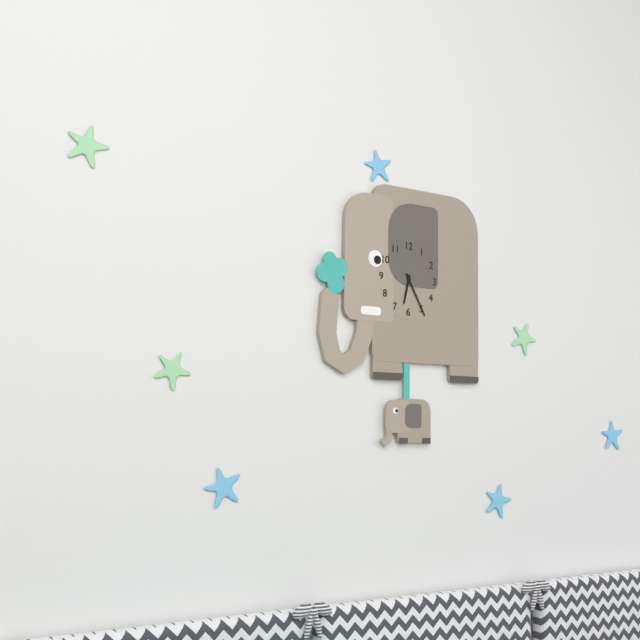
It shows 6:25
